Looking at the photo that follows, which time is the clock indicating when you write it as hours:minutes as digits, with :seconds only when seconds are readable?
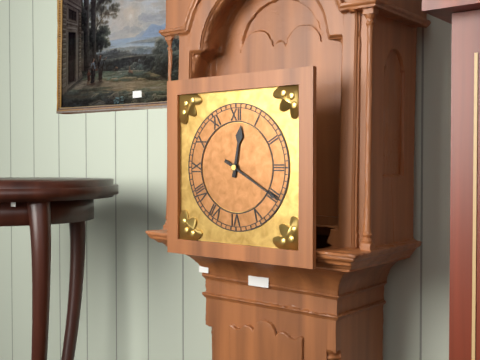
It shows 12:20
